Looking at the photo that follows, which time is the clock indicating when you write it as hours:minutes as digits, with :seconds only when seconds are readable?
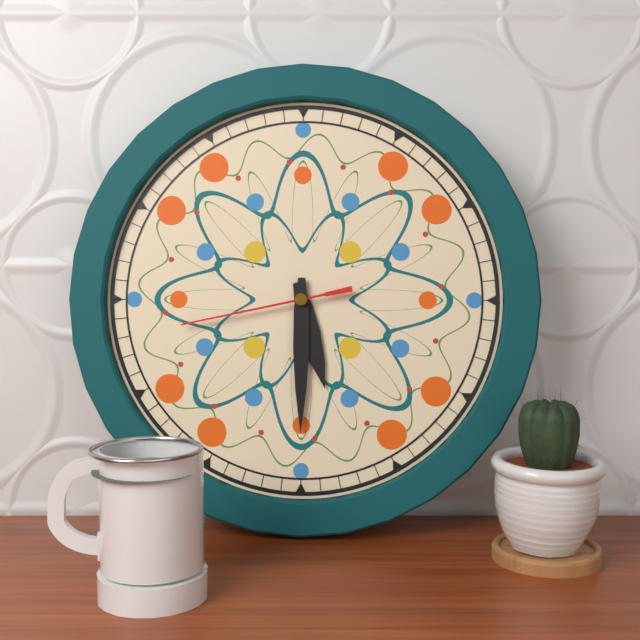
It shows 5:30:43
